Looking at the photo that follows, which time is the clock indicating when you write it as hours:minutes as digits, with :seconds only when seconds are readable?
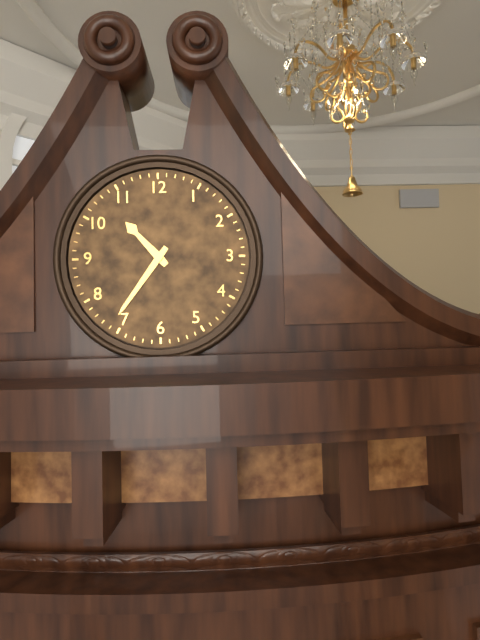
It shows 10:36
